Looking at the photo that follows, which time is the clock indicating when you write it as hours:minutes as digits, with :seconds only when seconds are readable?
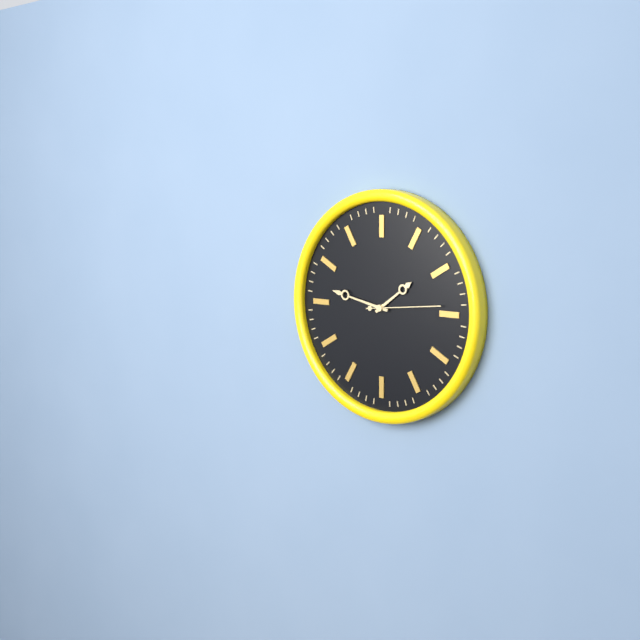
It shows 1:47:14
